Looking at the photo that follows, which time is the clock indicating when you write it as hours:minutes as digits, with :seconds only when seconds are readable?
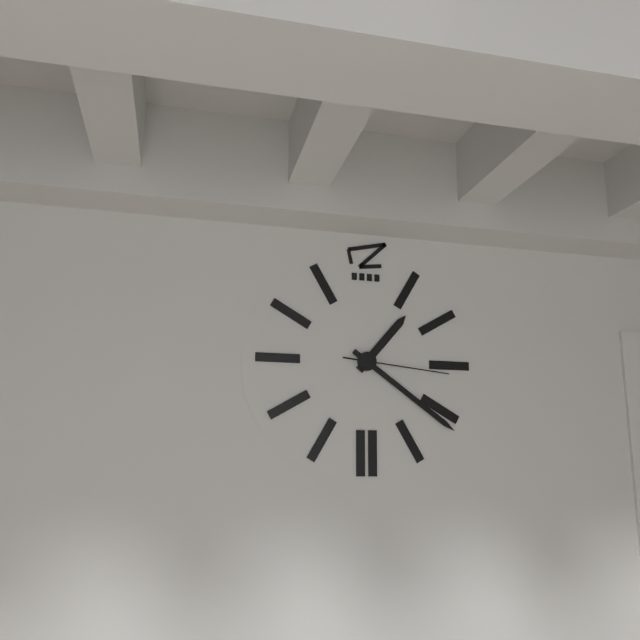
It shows 1:21:16
